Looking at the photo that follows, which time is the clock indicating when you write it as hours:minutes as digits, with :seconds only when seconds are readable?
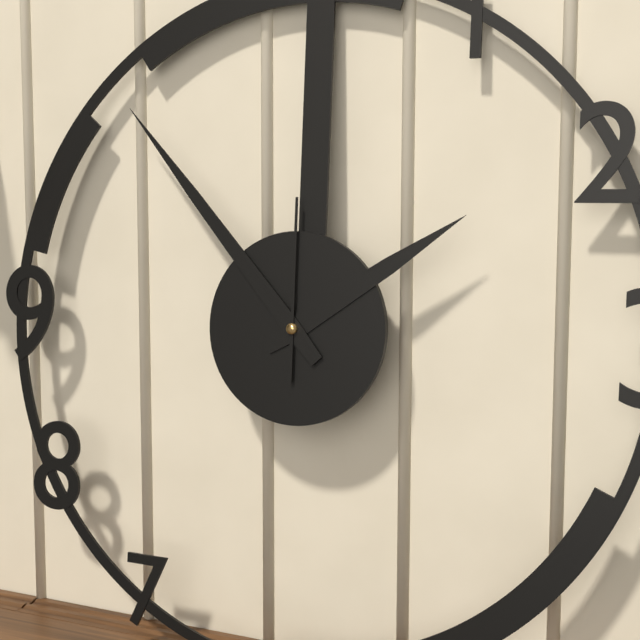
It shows 1:53:00
